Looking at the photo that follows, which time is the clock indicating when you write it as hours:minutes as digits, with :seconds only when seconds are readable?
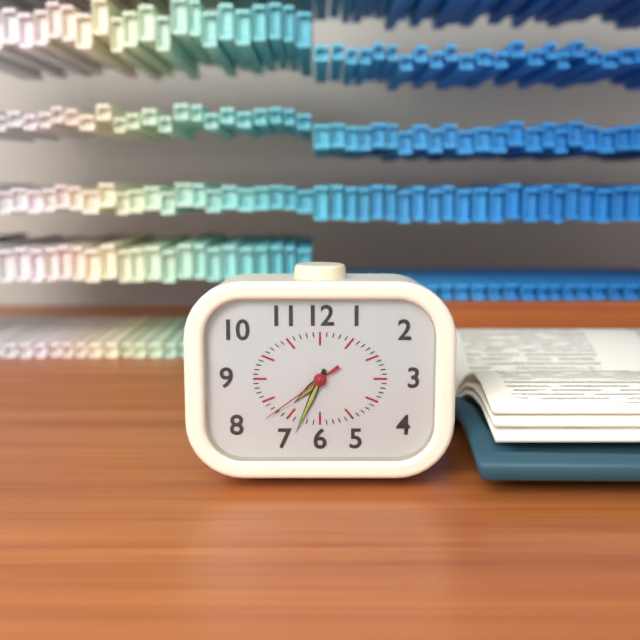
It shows 7:34:39
